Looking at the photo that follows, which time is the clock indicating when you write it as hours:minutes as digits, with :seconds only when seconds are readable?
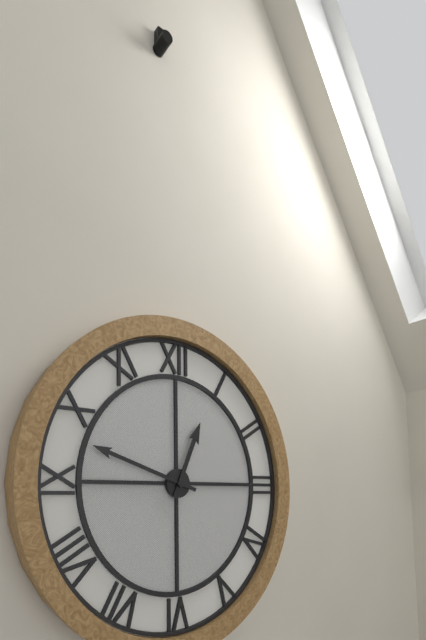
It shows 12:48
